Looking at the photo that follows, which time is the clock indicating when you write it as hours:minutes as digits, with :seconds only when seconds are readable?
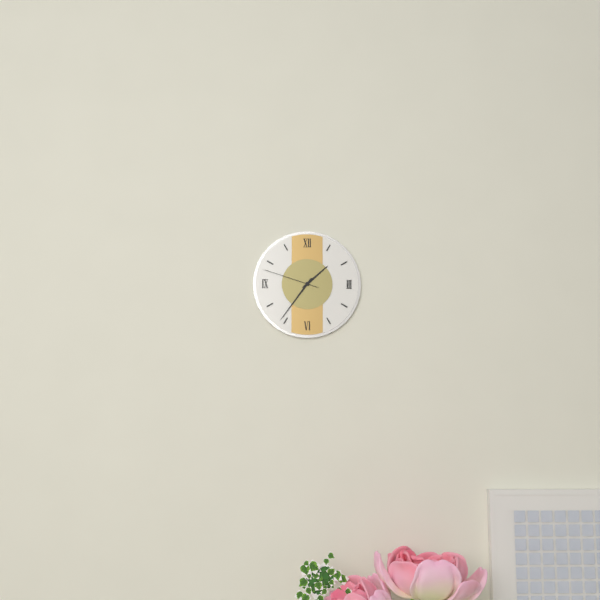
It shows 1:36:48
